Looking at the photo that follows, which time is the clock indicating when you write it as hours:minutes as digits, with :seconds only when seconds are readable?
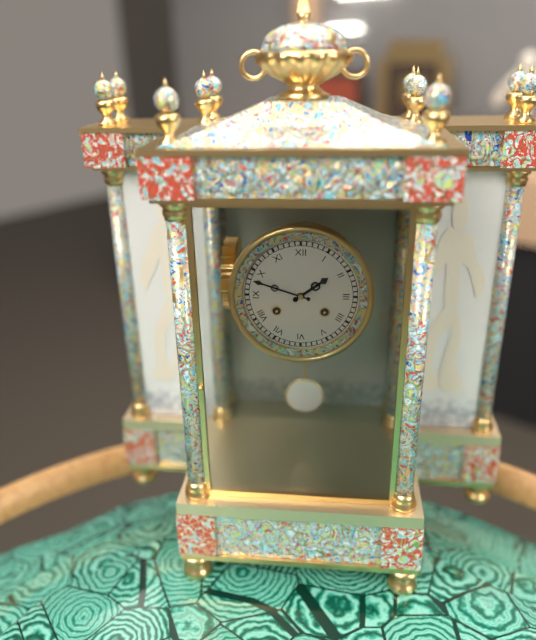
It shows 1:48
